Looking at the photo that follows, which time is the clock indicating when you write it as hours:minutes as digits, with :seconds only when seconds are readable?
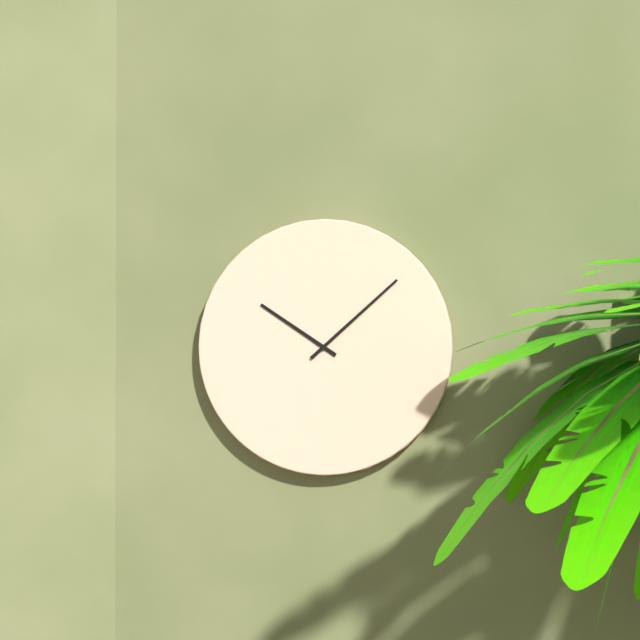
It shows 10:08
